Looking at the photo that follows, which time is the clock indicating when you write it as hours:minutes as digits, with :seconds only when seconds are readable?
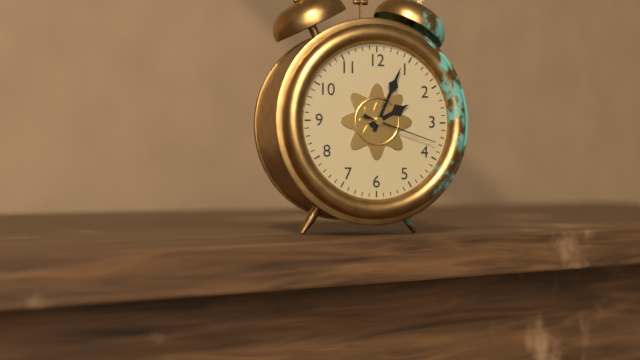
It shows 2:04:18
